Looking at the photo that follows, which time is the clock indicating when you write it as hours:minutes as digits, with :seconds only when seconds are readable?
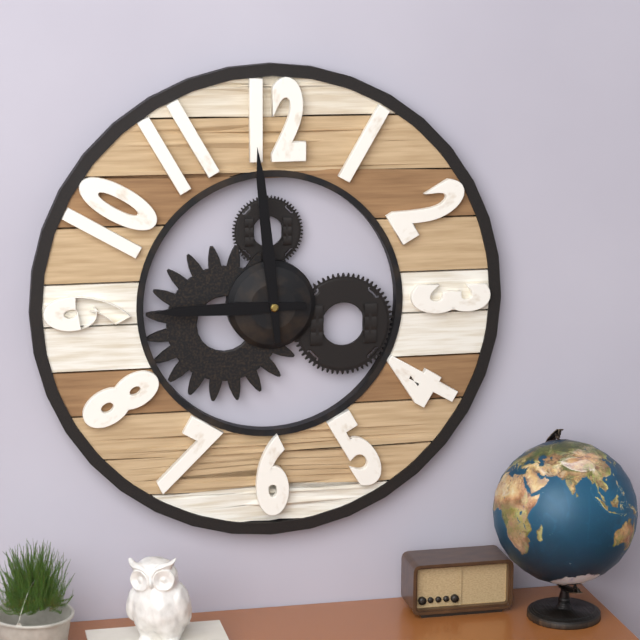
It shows 8:59
